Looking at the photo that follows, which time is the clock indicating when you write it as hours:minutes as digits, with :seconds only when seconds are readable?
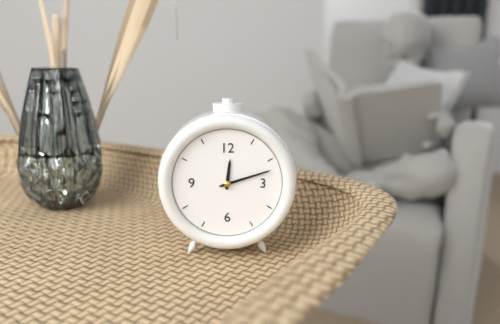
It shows 12:12
